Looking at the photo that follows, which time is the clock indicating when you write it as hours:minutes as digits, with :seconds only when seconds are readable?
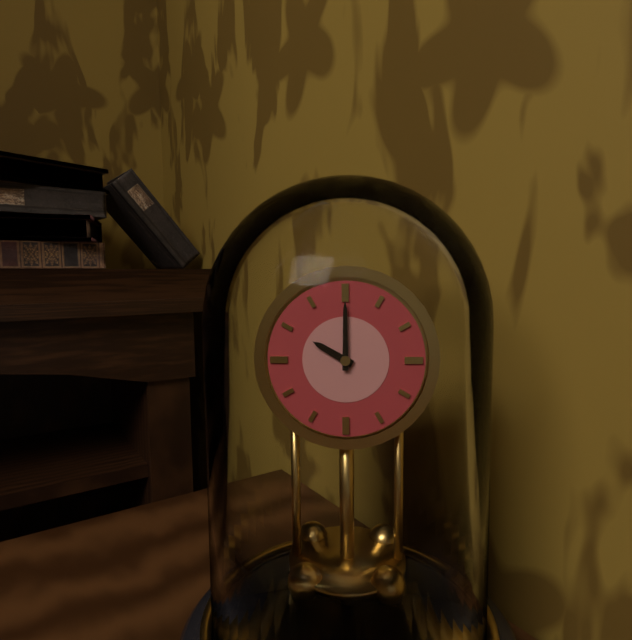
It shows 10:00
